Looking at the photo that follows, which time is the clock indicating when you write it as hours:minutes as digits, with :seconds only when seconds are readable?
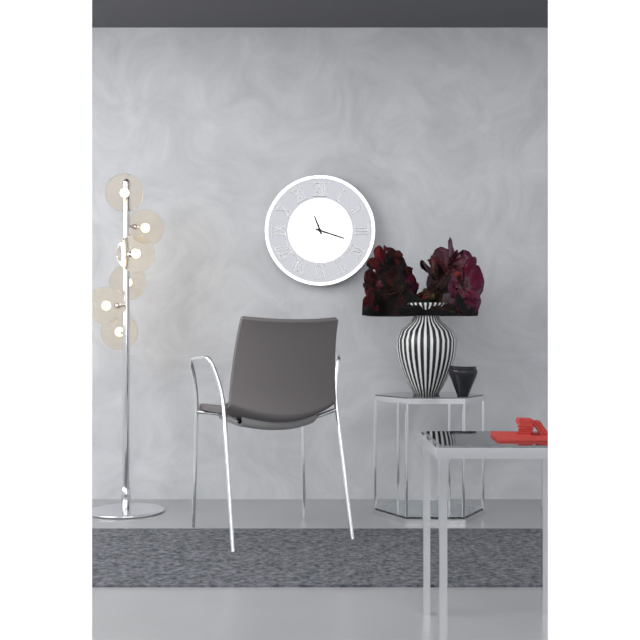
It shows 11:18
